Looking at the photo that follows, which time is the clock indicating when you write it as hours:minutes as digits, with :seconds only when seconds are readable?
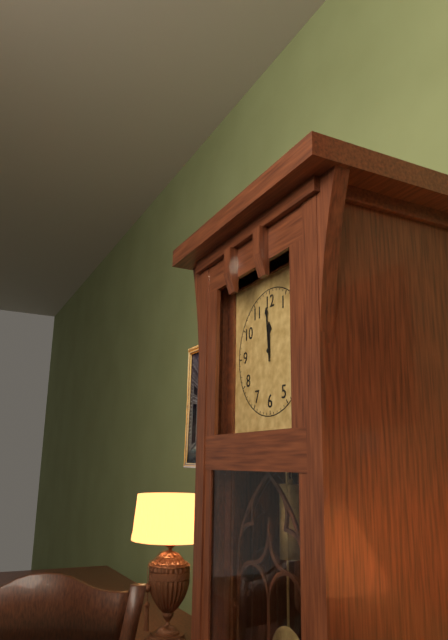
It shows 11:59
